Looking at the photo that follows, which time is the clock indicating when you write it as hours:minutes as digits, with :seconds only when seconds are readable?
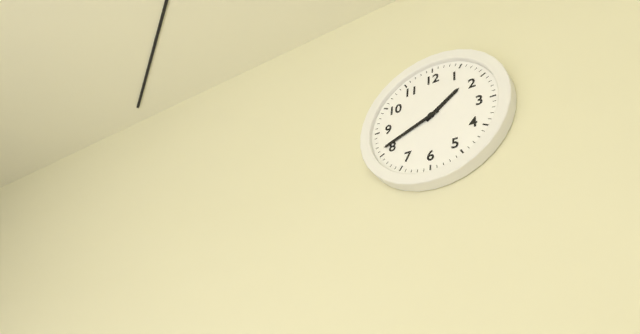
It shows 1:41
